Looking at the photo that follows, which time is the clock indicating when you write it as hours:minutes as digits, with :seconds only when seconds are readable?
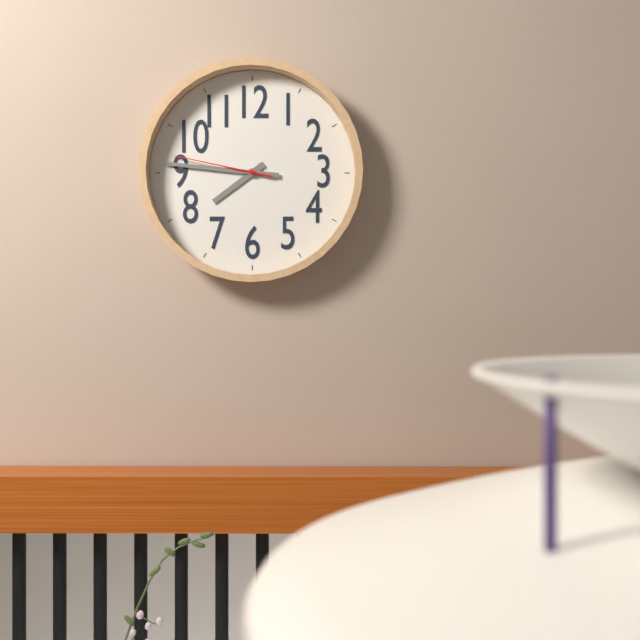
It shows 7:46:47
